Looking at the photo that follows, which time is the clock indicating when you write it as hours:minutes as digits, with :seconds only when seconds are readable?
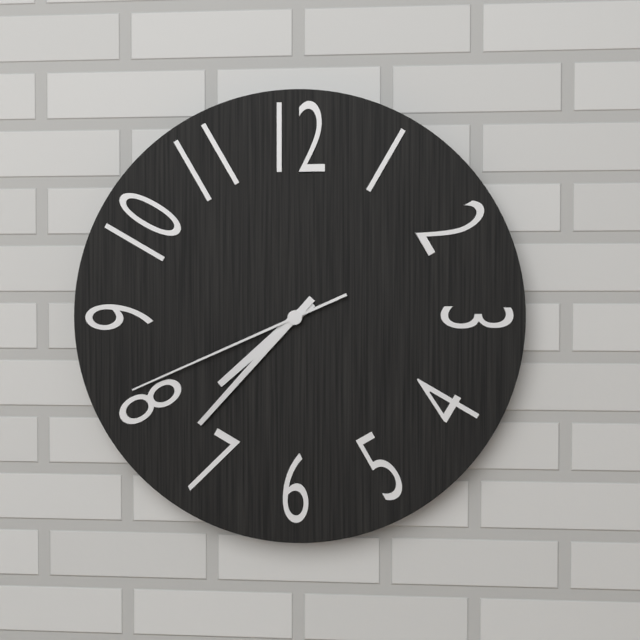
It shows 7:37:41
